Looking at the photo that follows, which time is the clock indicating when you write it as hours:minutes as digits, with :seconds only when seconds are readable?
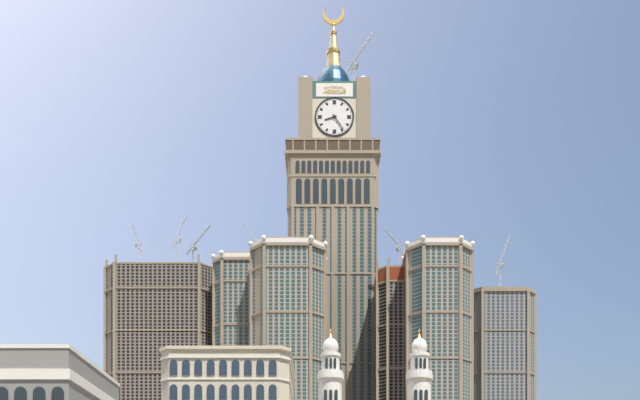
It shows 8:24
